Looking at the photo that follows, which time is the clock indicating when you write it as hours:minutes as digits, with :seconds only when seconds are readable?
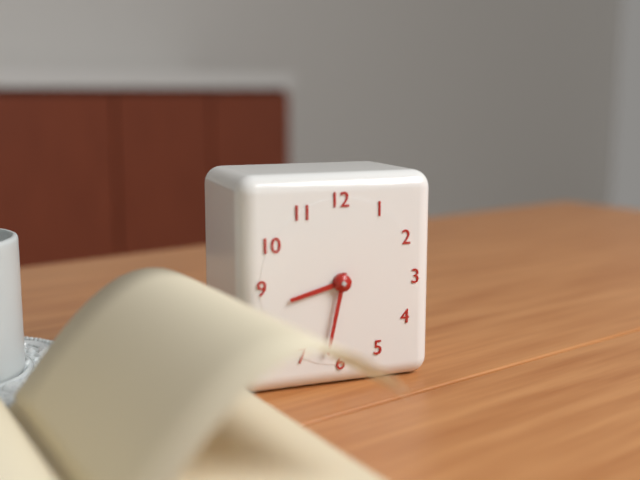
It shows 8:32
